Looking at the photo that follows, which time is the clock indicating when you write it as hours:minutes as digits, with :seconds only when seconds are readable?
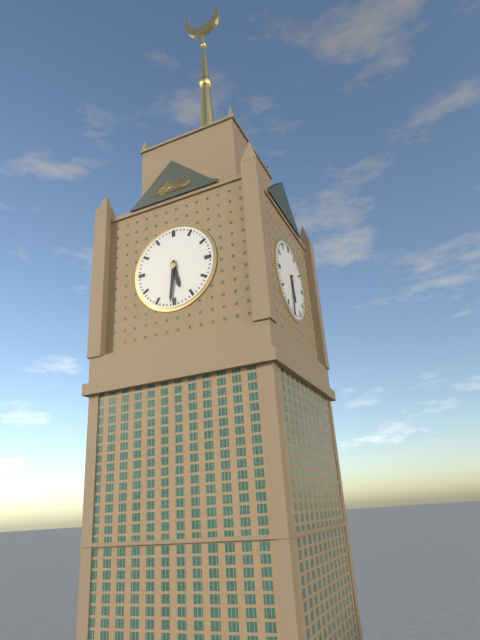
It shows 5:31
